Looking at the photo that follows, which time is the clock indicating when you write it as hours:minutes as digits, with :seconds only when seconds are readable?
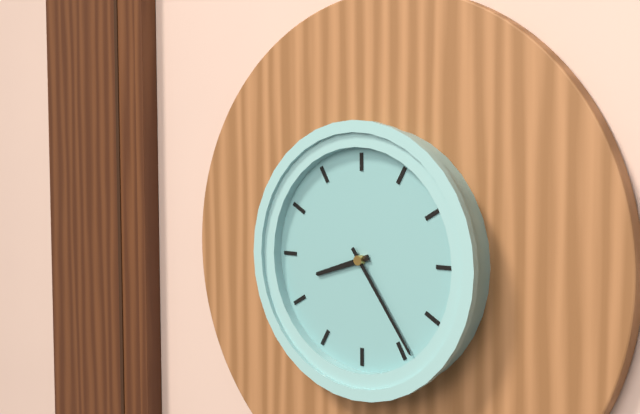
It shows 8:24
